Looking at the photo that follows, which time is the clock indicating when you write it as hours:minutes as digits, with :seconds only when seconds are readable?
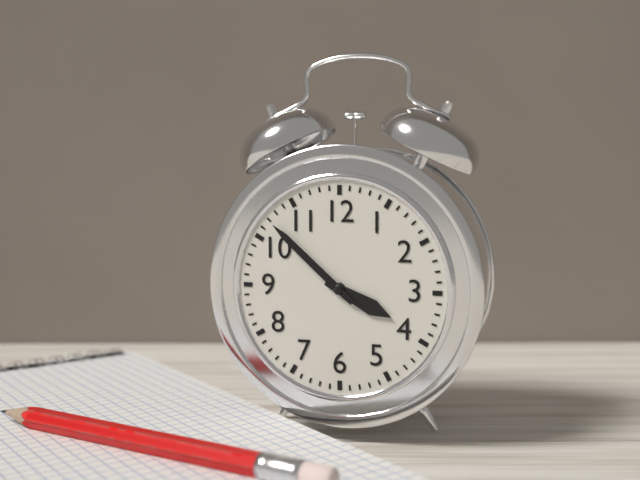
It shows 3:52
